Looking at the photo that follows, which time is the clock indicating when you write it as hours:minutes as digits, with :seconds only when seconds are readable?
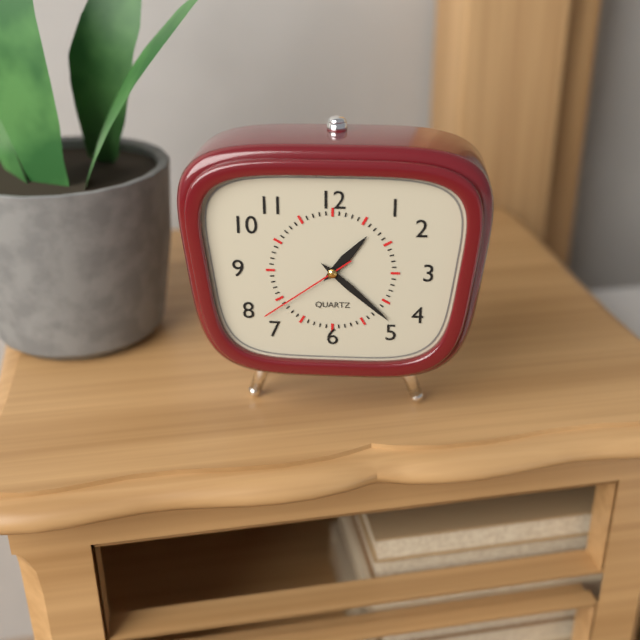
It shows 1:22:39
